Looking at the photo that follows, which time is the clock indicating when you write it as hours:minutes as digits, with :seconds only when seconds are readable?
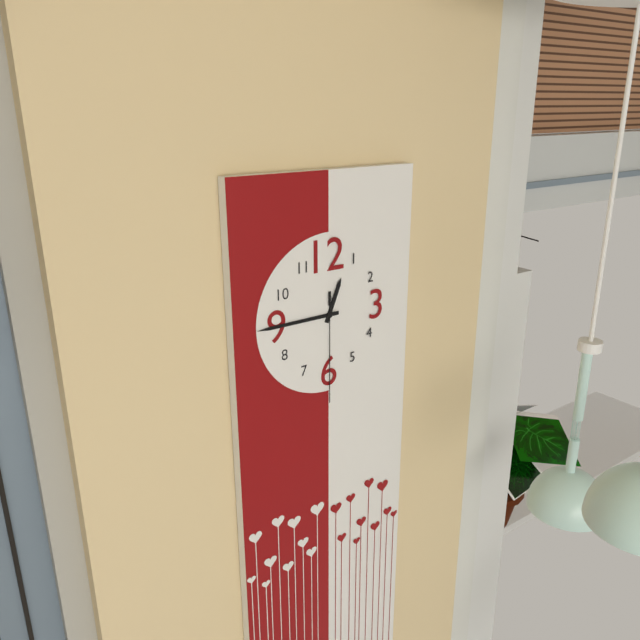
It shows 12:45:30
